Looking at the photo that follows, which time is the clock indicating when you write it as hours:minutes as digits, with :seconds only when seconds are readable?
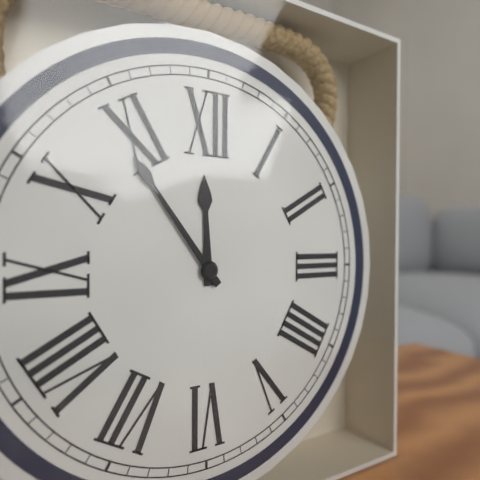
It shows 11:54
